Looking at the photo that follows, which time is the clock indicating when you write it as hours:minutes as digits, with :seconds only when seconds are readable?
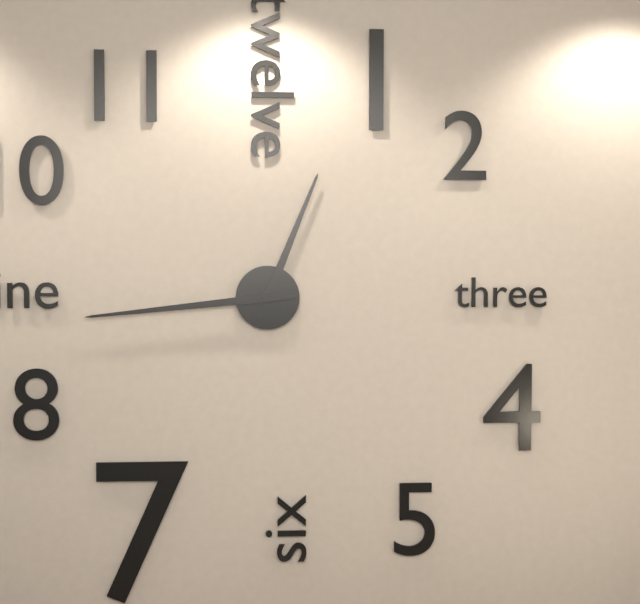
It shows 12:44
